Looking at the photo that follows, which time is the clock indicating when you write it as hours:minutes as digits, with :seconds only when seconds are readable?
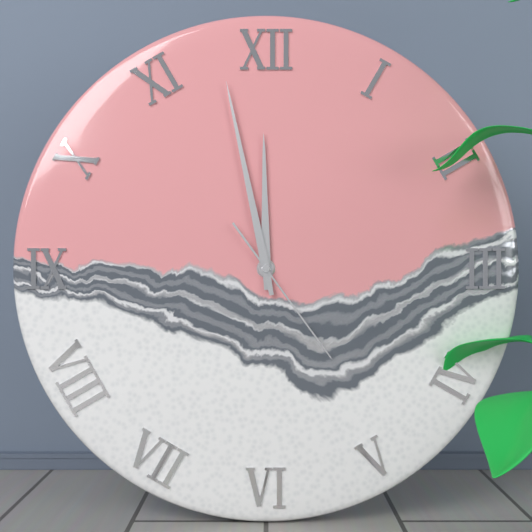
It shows 11:58:24
